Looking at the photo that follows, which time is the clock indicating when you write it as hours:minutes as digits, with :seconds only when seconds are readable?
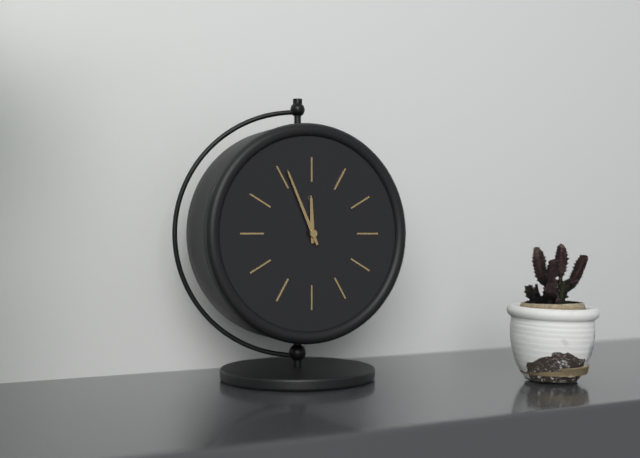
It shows 11:56
